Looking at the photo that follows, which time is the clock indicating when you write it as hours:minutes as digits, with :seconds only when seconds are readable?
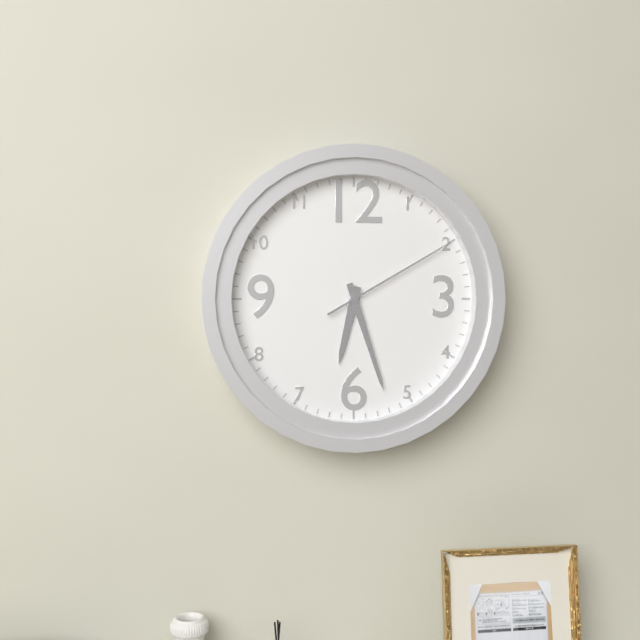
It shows 6:27:10
